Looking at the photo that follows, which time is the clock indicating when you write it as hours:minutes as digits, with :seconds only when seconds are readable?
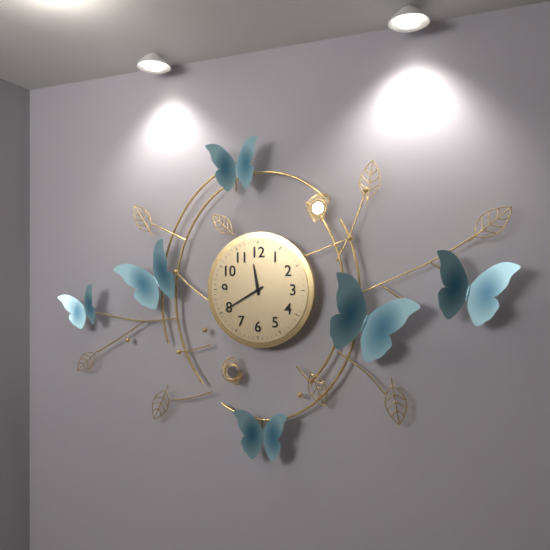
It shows 11:40
